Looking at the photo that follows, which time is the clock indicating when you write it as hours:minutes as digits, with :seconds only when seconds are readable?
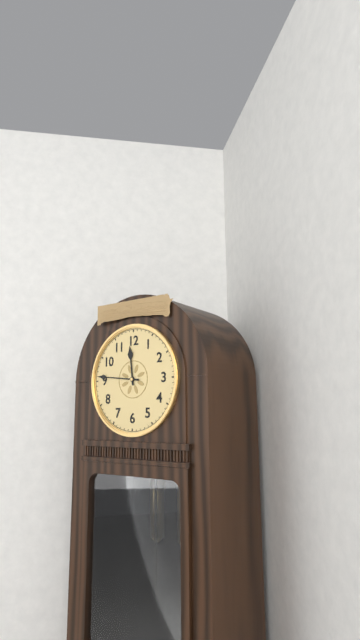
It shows 11:46
